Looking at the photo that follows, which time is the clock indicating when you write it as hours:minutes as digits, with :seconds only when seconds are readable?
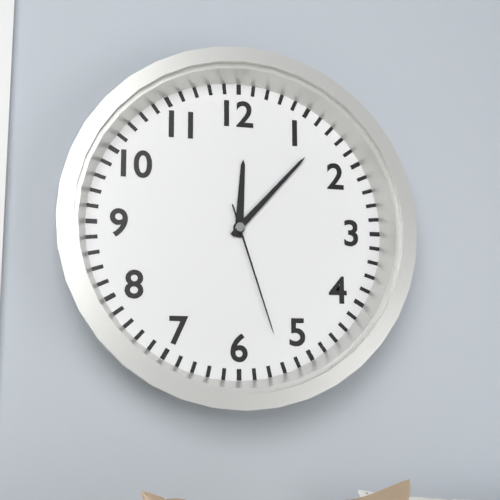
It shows 12:07:27
